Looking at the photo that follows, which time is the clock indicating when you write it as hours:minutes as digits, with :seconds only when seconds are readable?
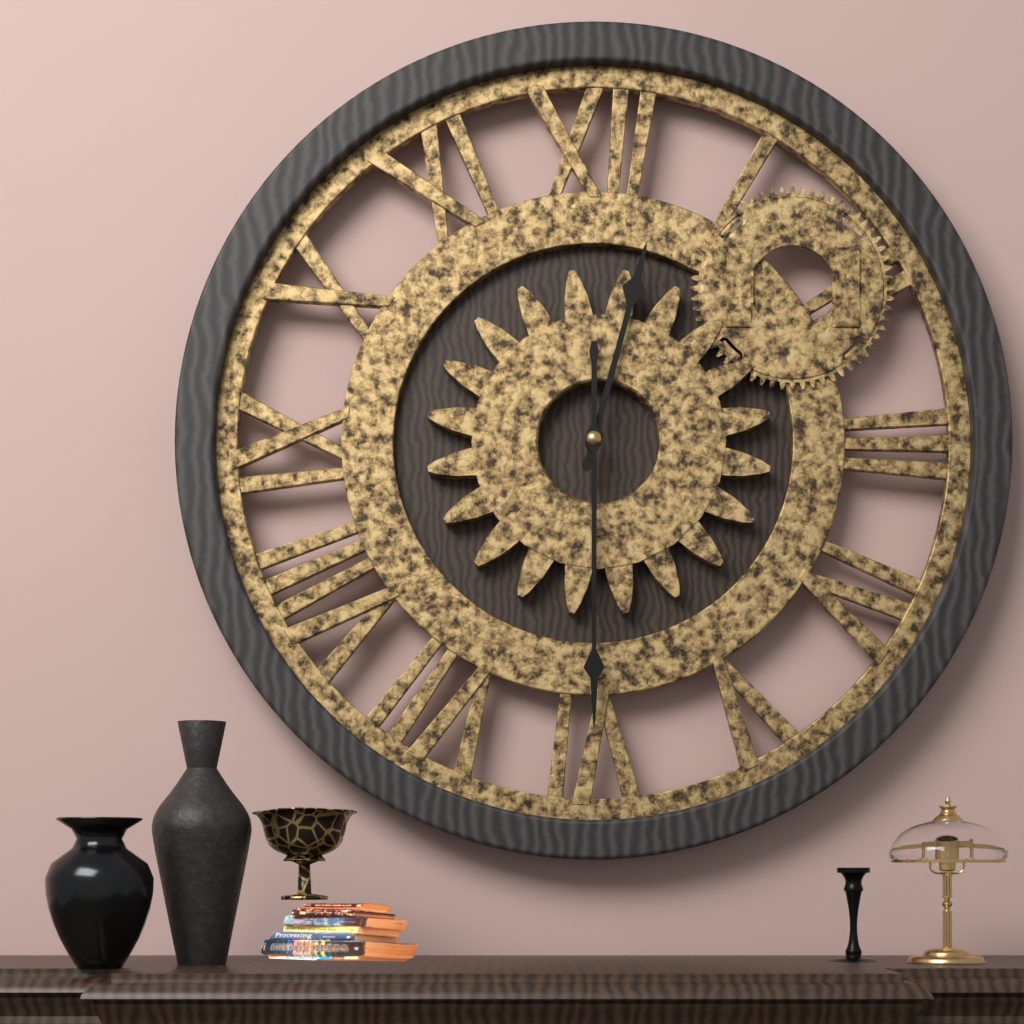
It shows 12:30
